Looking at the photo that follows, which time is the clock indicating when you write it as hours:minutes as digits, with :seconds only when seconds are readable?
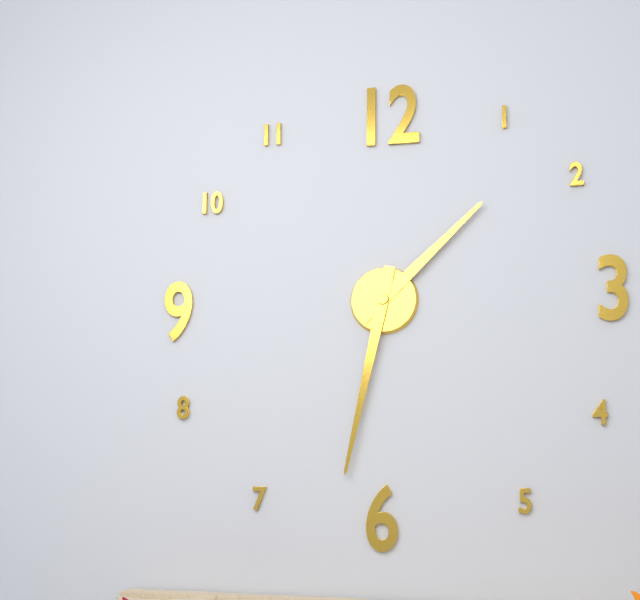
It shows 1:32
